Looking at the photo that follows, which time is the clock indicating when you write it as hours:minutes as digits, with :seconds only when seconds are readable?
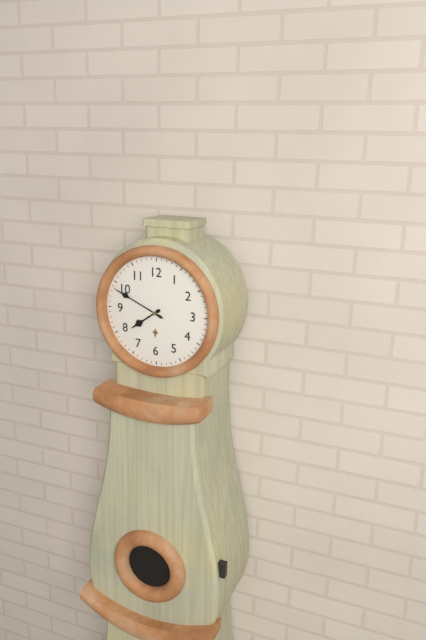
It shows 7:49
